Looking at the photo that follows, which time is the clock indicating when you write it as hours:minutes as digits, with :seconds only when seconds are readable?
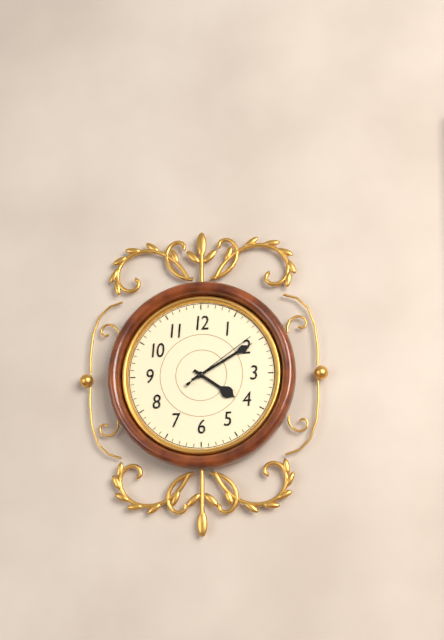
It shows 4:10:09
